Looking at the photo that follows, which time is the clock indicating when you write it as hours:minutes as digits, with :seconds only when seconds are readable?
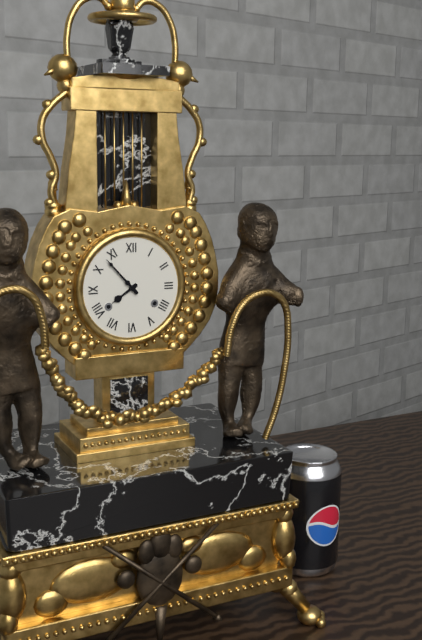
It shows 7:53
